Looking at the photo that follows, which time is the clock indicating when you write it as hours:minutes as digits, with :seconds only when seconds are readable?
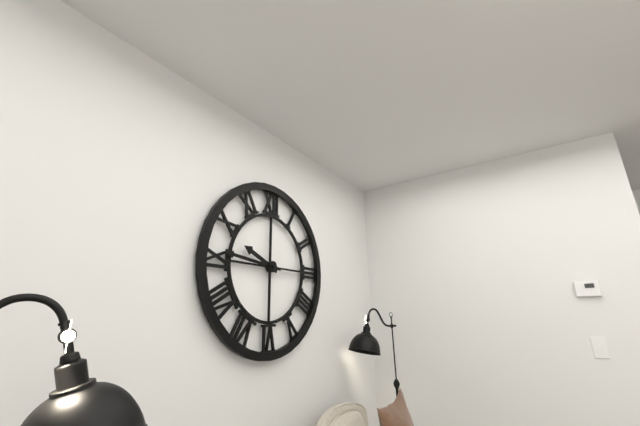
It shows 9:46
